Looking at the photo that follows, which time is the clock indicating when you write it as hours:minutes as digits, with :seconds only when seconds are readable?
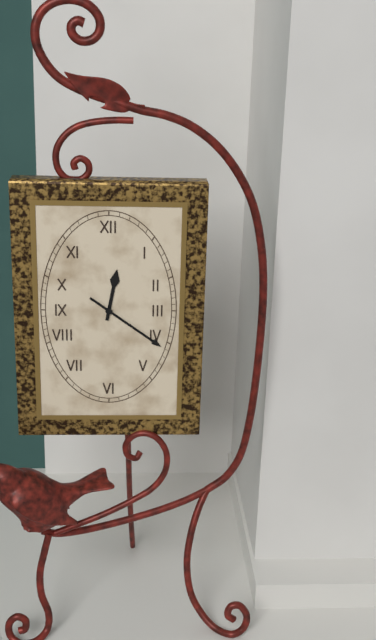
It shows 12:21
